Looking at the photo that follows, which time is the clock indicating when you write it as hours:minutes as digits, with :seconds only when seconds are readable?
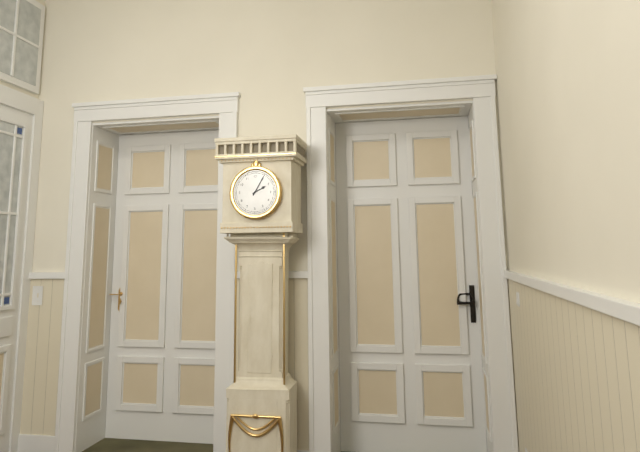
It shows 2:05
